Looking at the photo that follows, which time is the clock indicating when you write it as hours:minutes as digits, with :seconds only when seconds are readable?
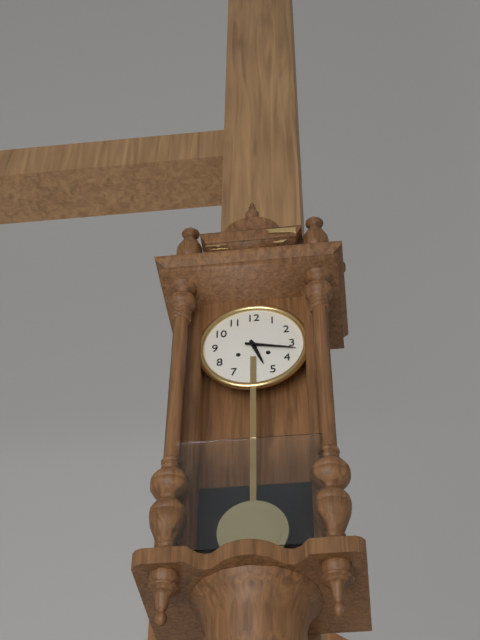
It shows 5:17
